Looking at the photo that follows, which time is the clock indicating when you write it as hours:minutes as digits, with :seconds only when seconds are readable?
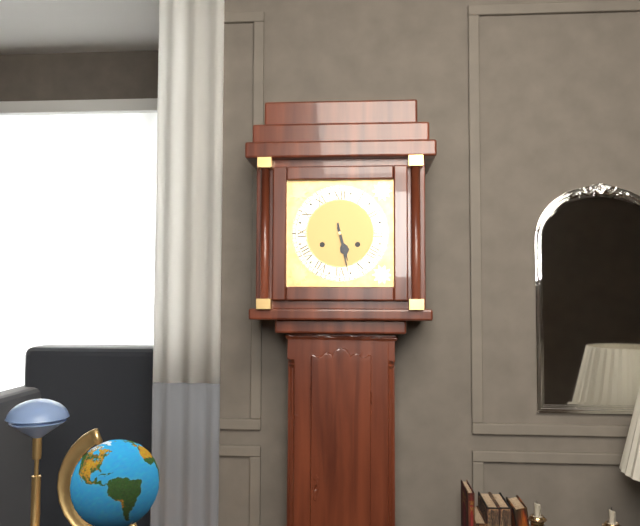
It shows 5:28
